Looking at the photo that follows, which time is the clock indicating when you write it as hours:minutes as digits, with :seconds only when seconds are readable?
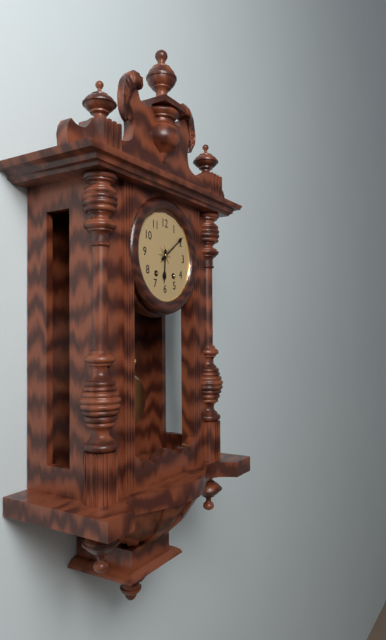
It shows 6:09
